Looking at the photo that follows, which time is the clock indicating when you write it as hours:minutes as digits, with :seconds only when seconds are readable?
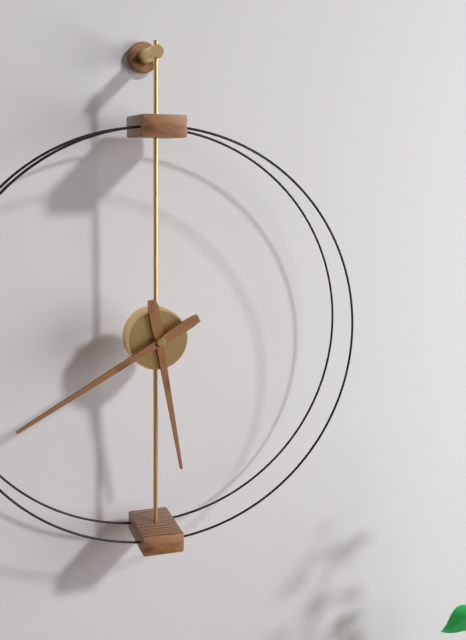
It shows 5:40
